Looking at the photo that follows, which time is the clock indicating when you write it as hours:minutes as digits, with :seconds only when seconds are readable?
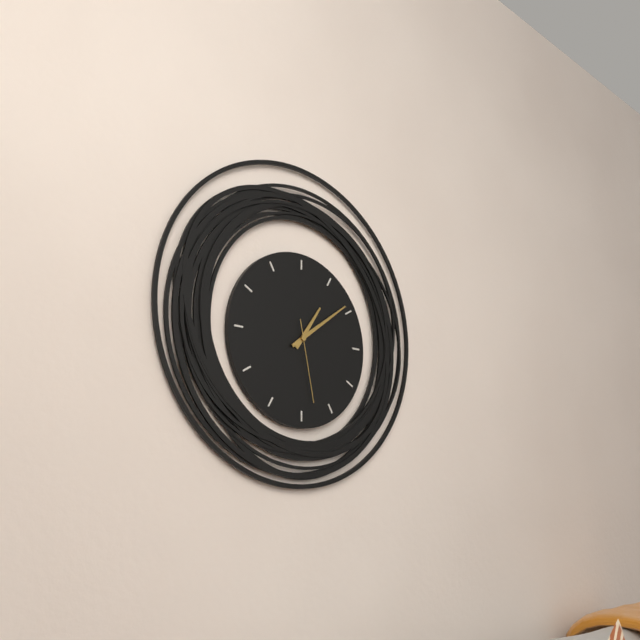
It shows 1:09:28
